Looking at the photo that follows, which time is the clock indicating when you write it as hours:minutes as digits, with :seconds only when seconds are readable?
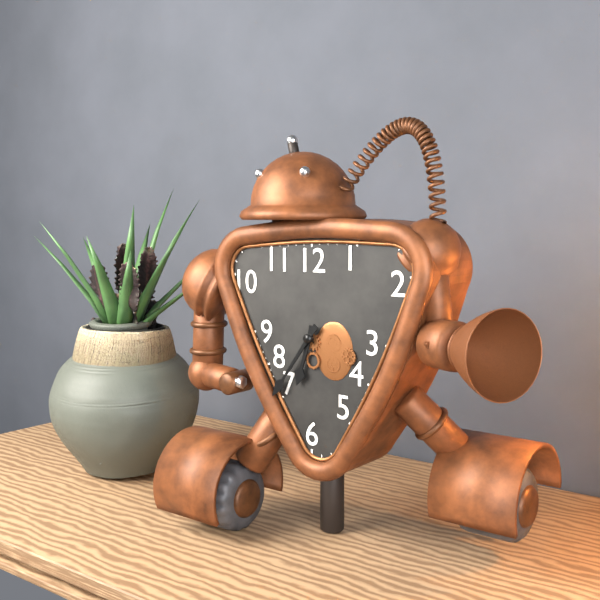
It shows 6:36
